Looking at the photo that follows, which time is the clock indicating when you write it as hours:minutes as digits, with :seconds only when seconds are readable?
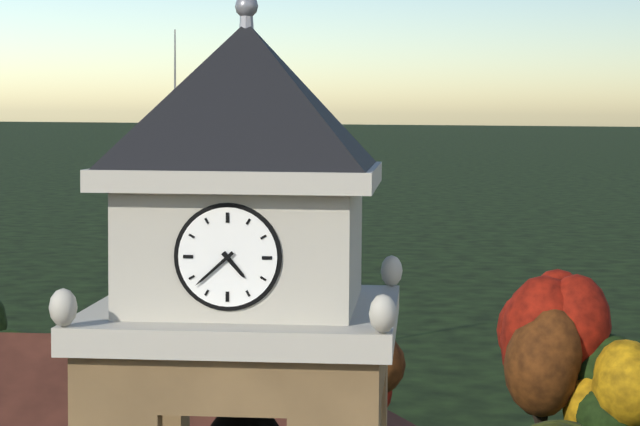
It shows 4:38
